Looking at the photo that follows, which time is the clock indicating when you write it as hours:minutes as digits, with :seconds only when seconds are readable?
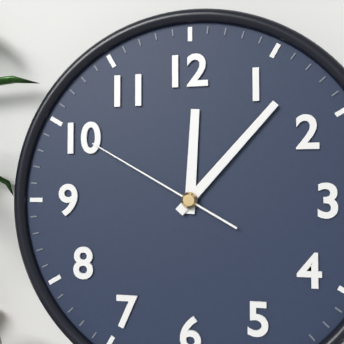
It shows 12:07:50
